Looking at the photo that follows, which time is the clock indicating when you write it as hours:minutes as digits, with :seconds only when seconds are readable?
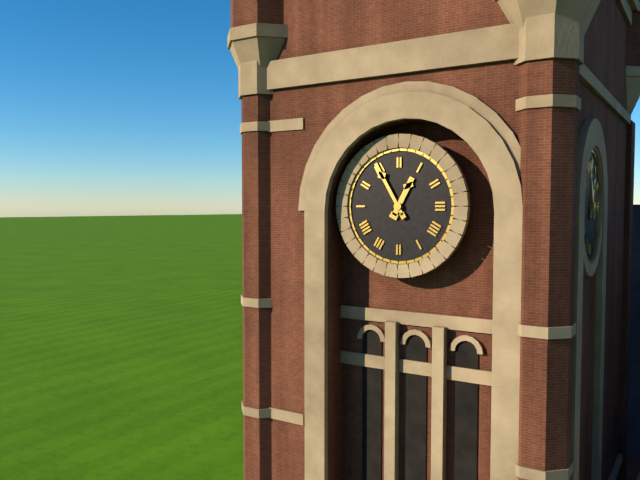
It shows 12:55
